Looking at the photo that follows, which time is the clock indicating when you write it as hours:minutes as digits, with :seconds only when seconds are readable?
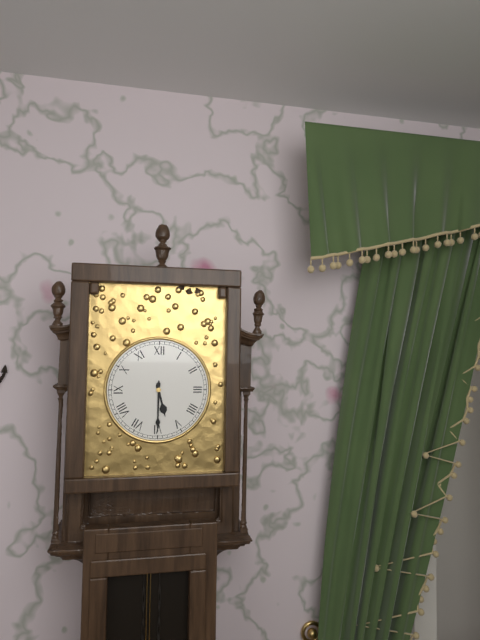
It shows 5:30
